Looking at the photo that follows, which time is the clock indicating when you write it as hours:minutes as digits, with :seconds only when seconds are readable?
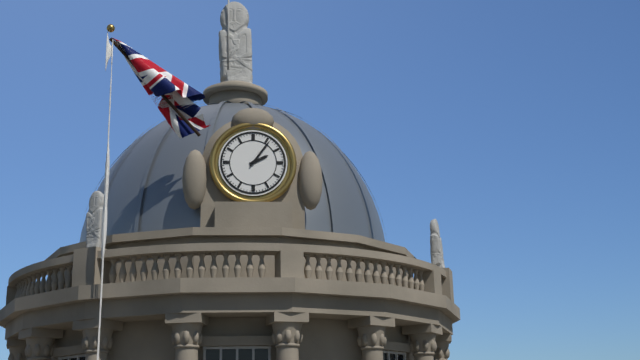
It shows 2:06
